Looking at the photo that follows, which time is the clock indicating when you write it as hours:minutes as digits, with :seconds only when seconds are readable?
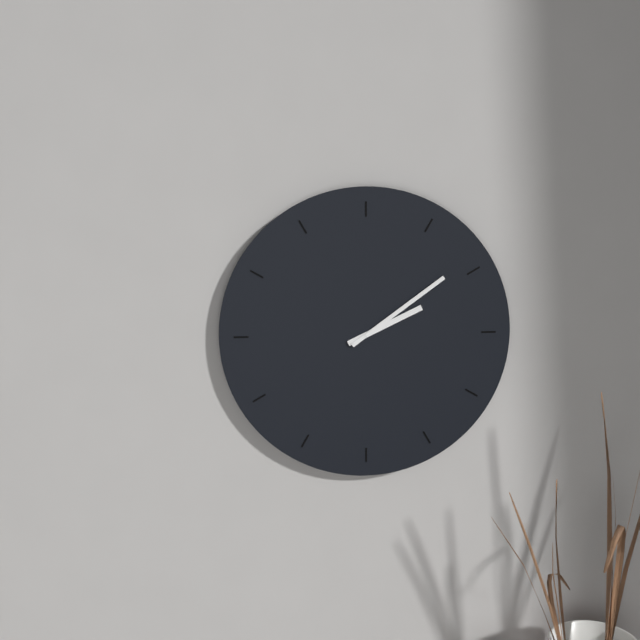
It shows 2:09
